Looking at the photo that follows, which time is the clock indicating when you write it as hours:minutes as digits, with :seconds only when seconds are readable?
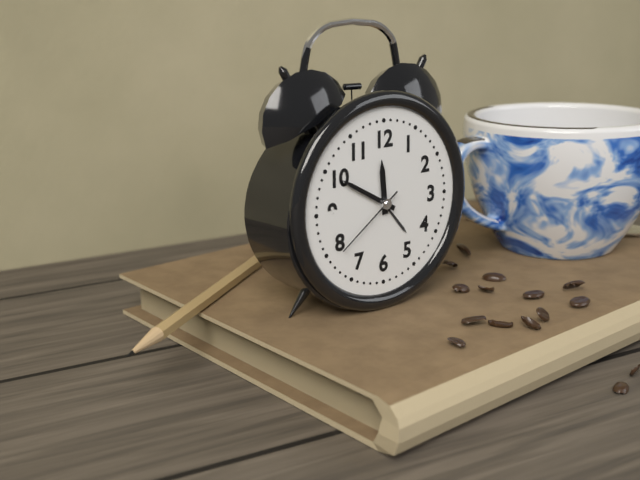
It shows 11:50:39
